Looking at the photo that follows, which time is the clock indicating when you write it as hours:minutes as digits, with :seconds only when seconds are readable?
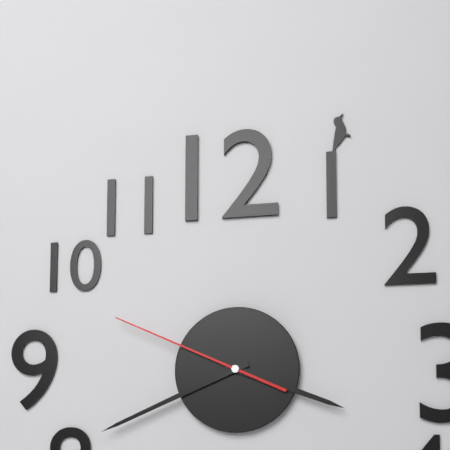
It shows 3:41:49
